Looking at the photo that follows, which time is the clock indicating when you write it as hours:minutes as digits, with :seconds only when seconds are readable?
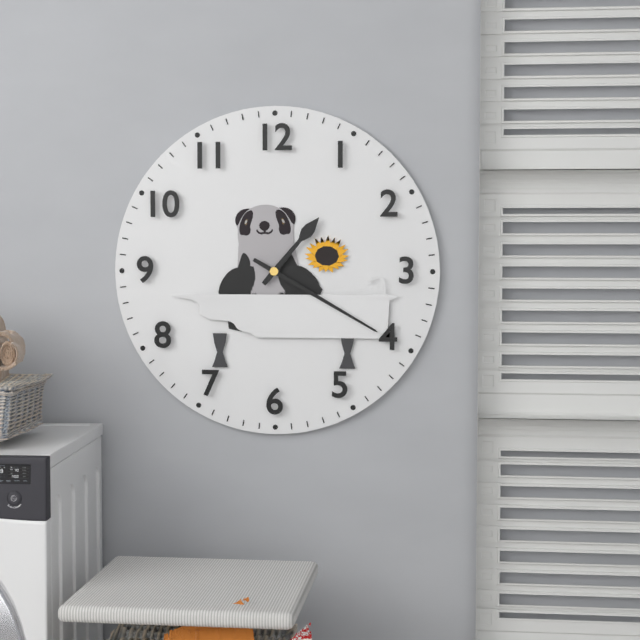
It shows 1:20
